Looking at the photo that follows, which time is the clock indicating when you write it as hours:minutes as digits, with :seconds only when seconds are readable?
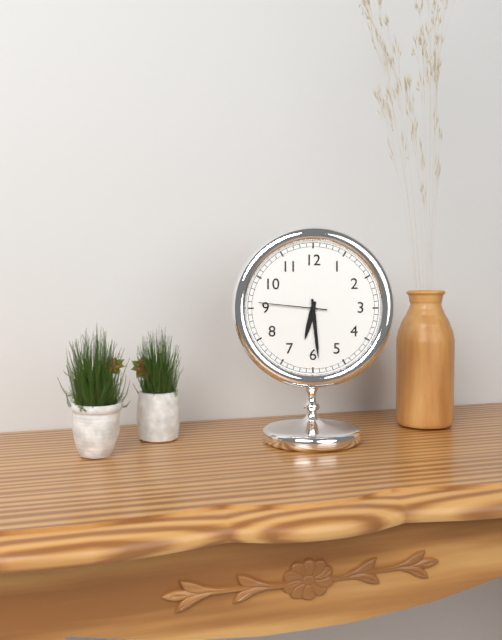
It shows 6:29:46
